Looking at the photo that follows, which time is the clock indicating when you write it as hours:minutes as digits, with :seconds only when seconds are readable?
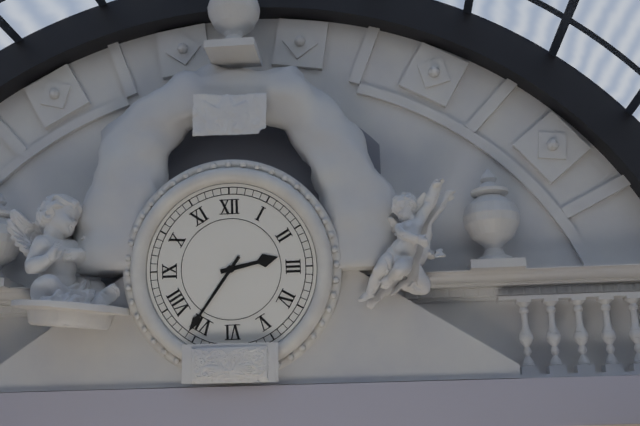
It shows 2:36
